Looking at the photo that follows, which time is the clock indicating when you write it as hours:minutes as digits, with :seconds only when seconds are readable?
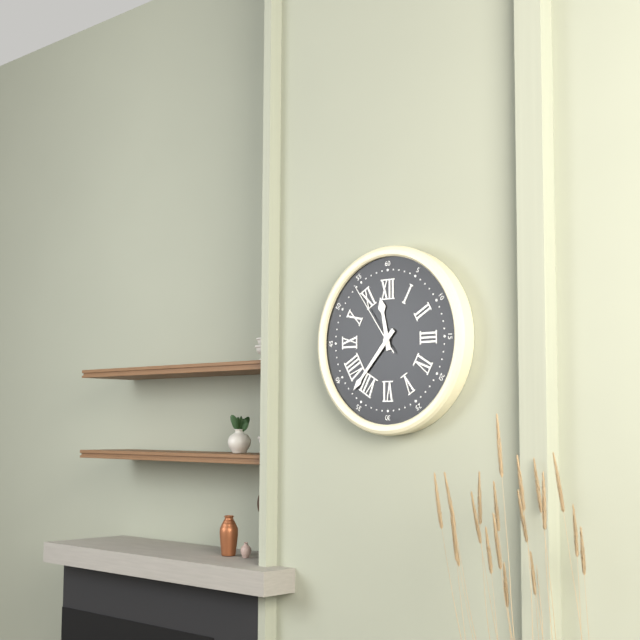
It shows 11:37:54
